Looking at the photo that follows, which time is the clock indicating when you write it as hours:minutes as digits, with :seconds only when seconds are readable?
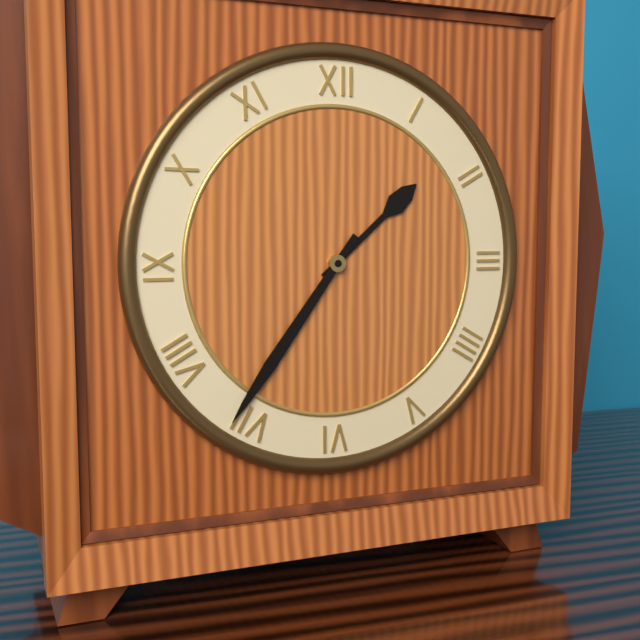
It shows 1:36
